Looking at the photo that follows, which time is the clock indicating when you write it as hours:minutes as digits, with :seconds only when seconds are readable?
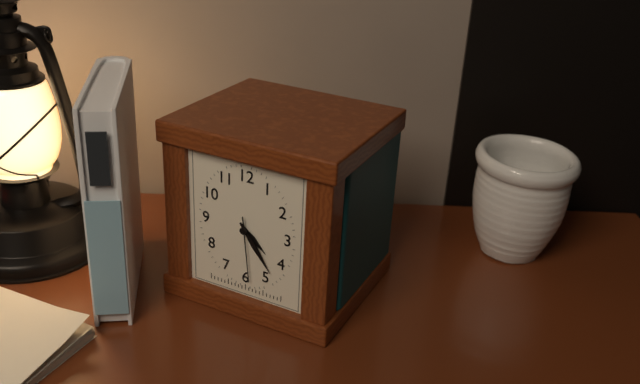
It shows 4:24:29
